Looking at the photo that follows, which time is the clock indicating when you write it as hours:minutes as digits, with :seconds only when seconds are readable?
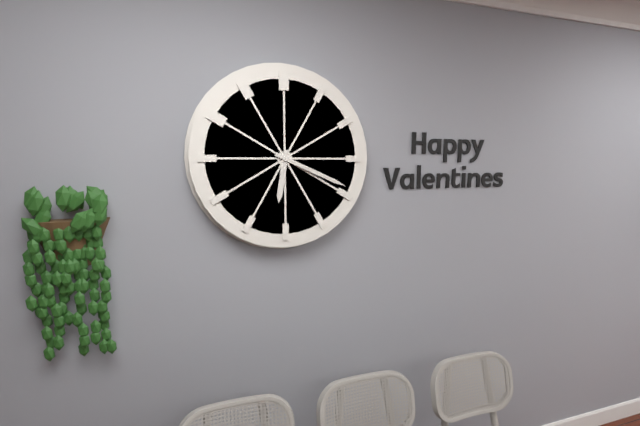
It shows 6:19
